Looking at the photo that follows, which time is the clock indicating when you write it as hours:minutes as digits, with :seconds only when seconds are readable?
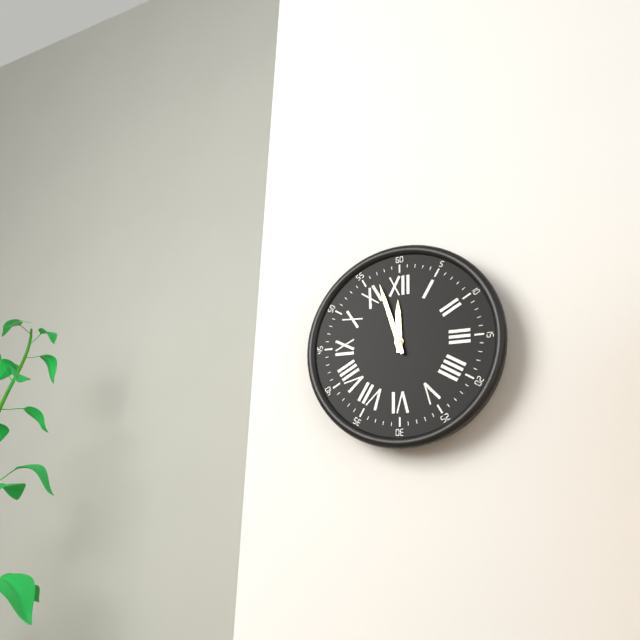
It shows 11:57
